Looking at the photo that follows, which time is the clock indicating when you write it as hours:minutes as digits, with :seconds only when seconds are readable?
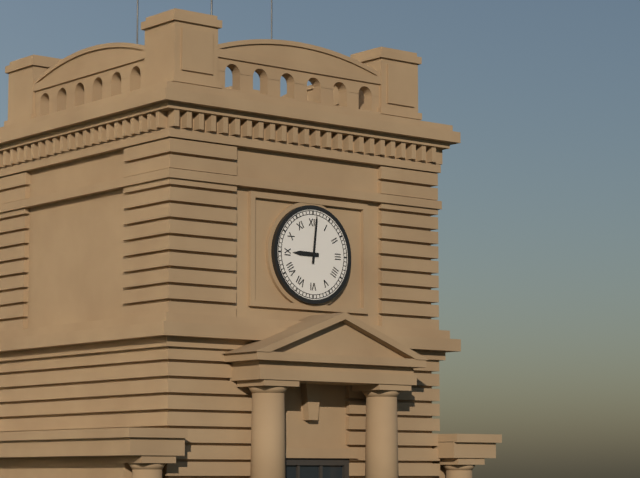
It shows 9:01
